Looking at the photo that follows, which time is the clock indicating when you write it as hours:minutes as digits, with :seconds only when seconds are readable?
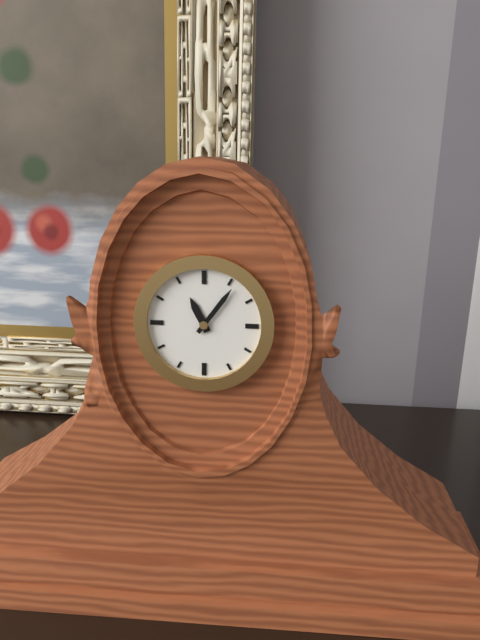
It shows 11:06
